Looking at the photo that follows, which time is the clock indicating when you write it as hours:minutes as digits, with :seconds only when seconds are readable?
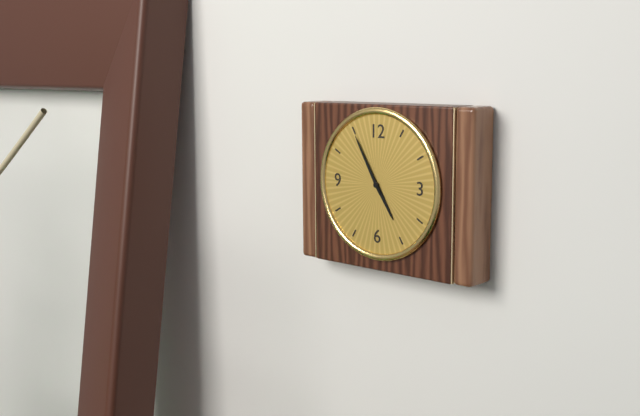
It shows 4:55
